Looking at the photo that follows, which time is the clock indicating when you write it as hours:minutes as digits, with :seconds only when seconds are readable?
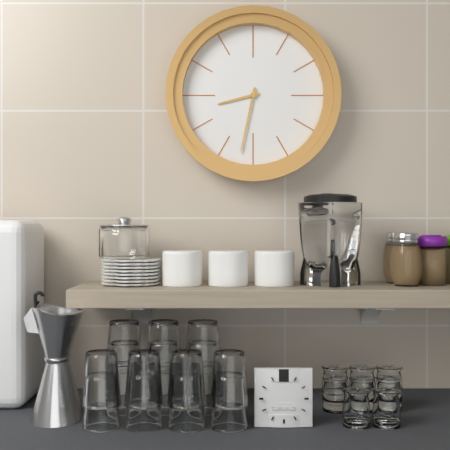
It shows 8:32
